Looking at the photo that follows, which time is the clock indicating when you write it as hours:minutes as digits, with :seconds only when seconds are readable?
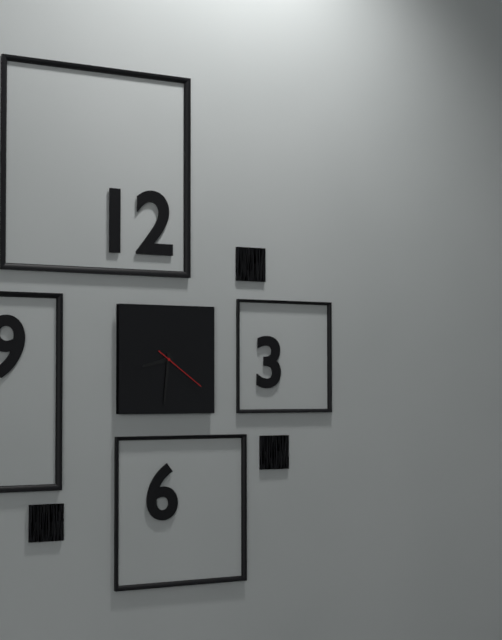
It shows 8:31:21
